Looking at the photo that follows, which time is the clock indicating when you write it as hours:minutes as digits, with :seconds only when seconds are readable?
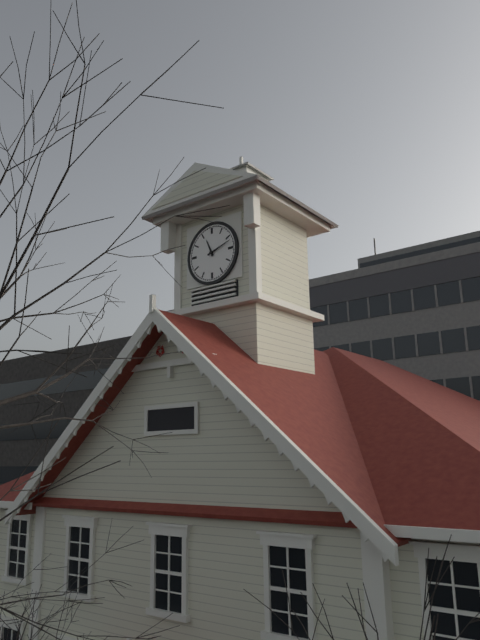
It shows 11:12
